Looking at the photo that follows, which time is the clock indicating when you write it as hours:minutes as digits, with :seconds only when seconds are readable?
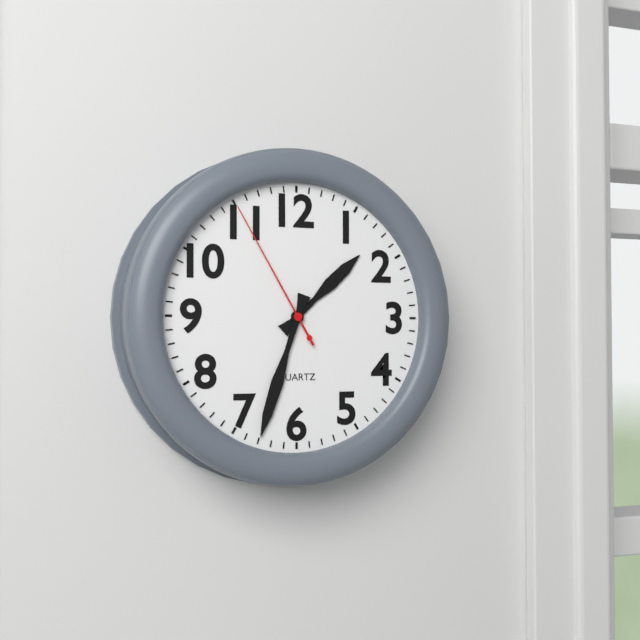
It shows 1:33:55
